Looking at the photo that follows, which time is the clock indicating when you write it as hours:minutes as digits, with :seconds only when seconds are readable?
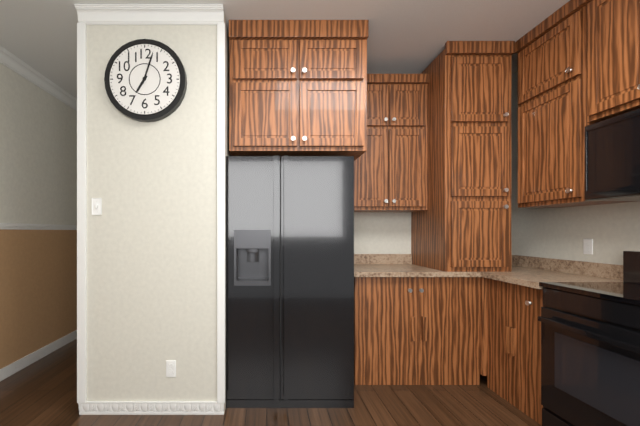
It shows 7:03
